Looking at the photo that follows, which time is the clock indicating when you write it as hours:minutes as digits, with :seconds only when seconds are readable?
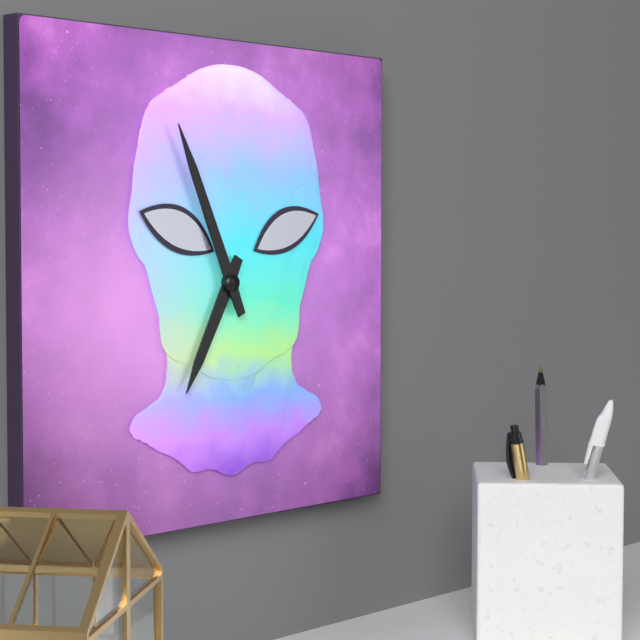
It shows 6:56
